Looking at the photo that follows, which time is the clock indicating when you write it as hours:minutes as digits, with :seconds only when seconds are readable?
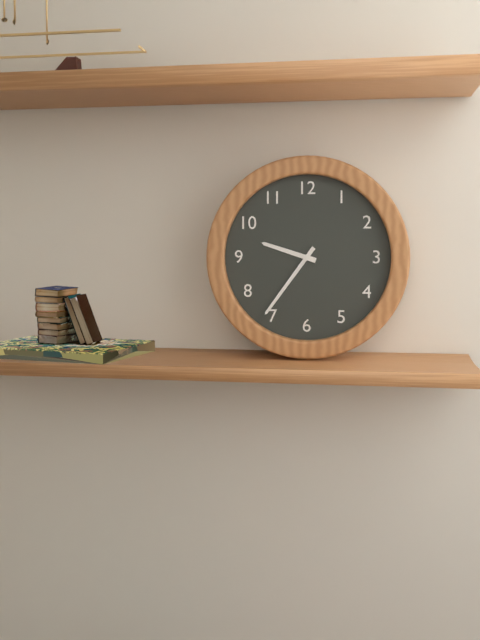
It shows 9:36
